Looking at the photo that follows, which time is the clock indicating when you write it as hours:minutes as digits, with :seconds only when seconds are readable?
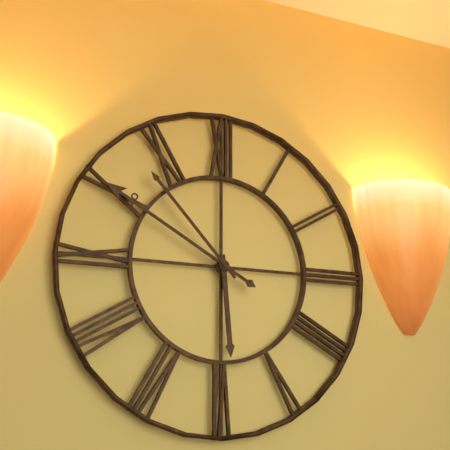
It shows 5:50:53
